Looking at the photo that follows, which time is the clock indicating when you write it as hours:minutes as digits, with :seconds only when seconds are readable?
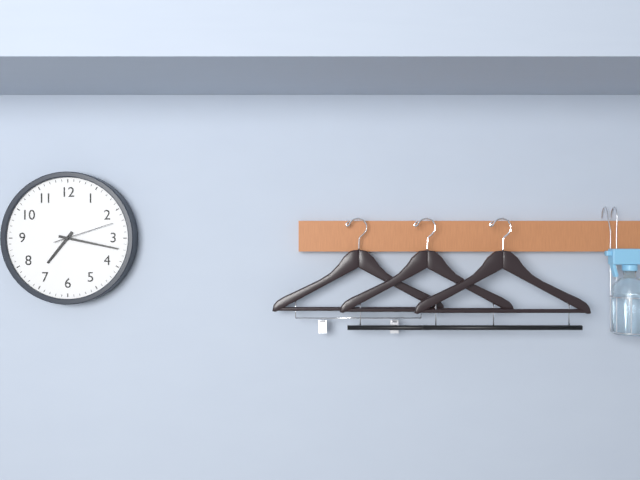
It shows 7:17:12
